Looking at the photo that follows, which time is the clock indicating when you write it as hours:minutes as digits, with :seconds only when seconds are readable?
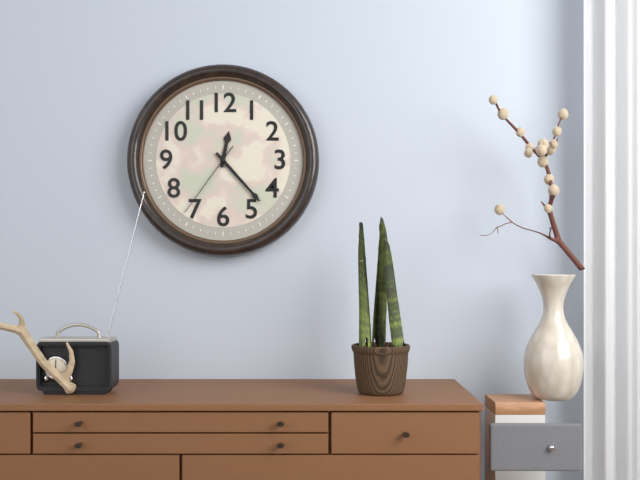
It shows 12:23:36
